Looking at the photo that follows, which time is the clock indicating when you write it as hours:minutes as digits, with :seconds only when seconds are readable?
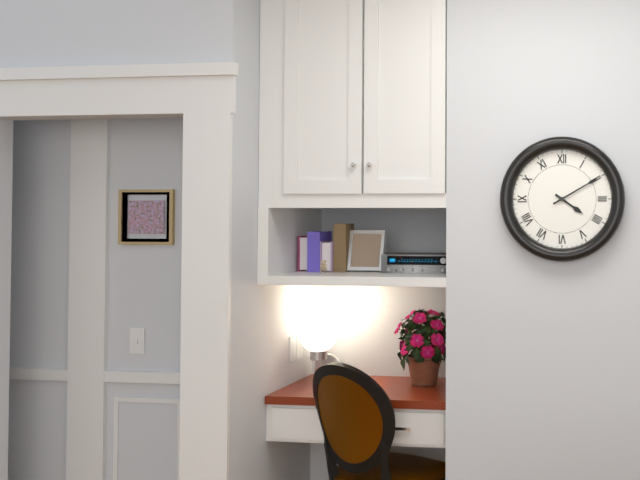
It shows 4:10
